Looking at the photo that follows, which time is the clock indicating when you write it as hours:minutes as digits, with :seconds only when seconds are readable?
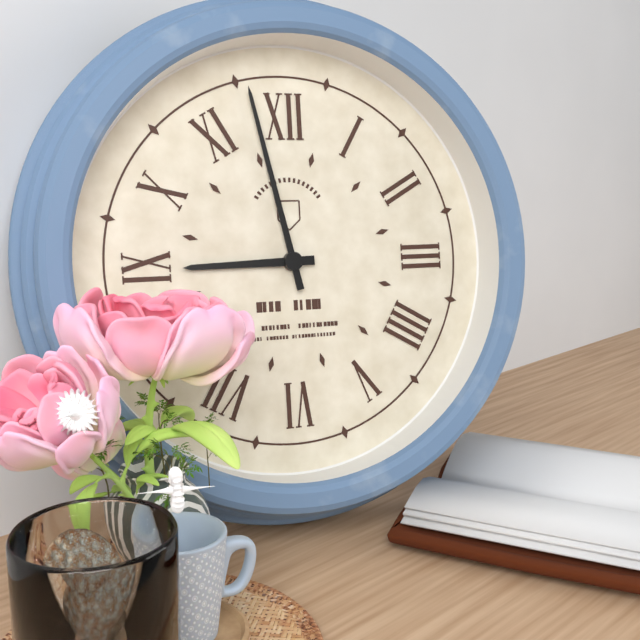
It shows 8:58
